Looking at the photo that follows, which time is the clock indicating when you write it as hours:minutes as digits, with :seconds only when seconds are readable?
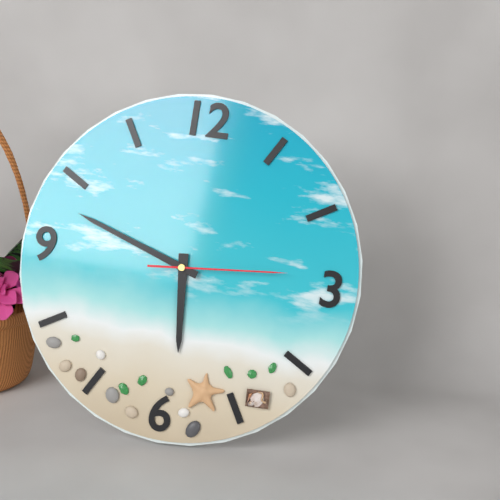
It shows 5:48:14
